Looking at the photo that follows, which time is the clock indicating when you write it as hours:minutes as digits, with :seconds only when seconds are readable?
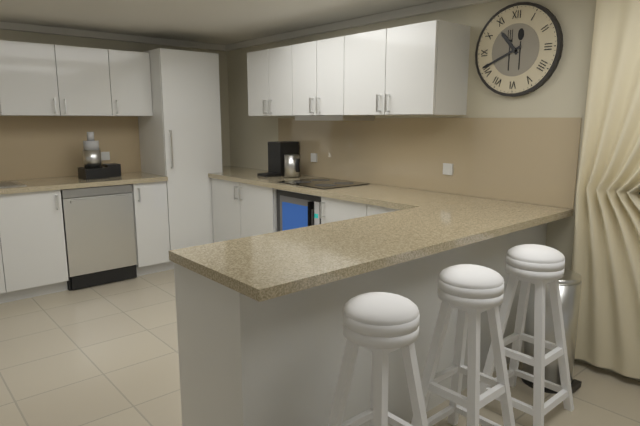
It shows 10:41
